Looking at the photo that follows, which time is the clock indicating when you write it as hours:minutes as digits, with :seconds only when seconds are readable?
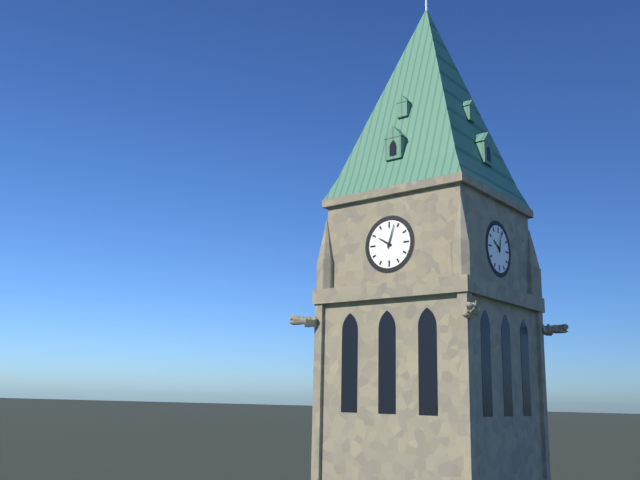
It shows 10:03
